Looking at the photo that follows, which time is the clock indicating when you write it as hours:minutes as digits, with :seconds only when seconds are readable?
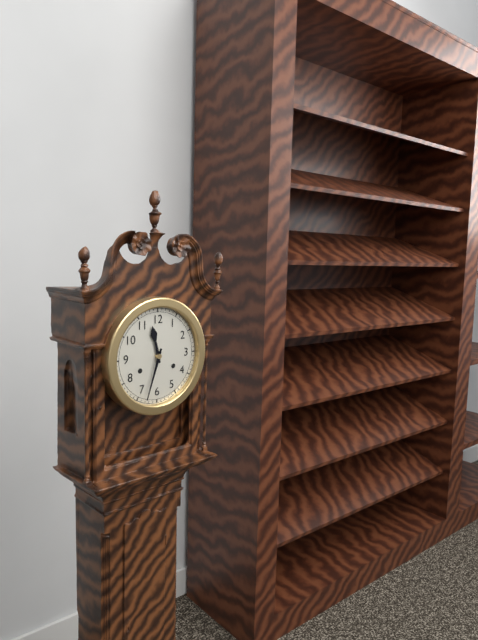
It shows 11:33
